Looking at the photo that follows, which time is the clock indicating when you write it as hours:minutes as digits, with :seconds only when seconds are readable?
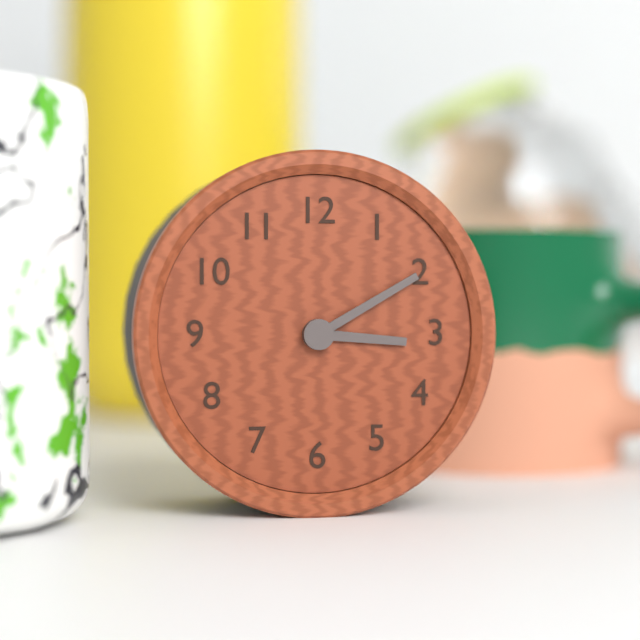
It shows 3:10
